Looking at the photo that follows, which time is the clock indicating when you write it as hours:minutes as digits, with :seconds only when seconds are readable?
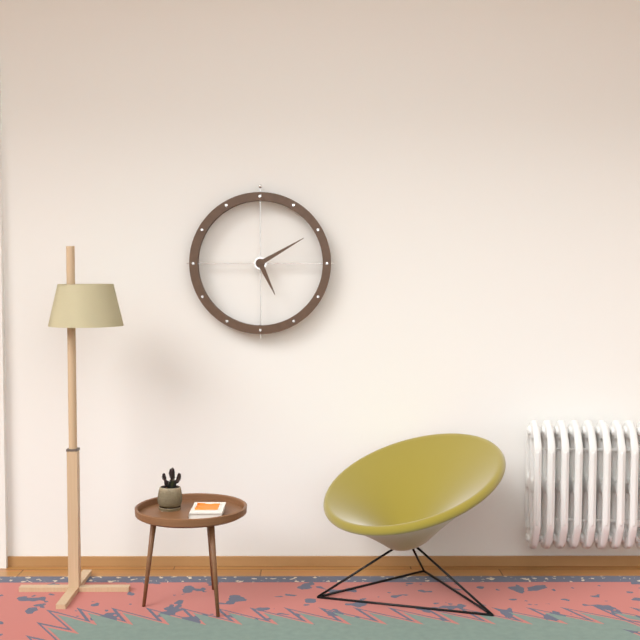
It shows 5:10
